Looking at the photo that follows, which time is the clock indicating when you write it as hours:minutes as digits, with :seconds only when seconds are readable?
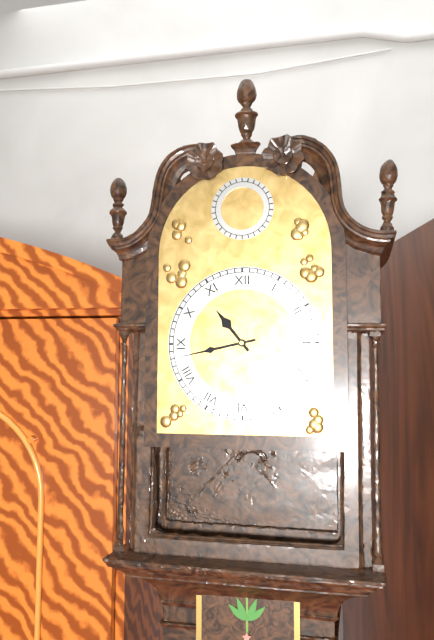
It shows 10:43
